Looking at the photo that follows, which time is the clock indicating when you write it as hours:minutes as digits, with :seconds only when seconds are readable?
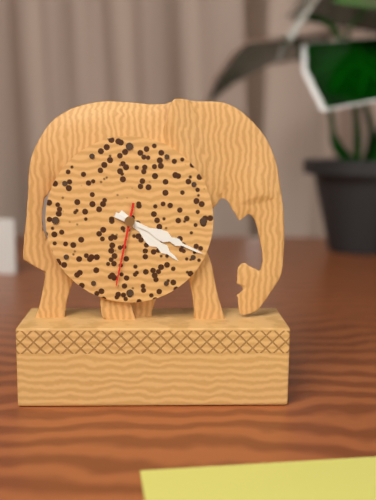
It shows 4:19:32
